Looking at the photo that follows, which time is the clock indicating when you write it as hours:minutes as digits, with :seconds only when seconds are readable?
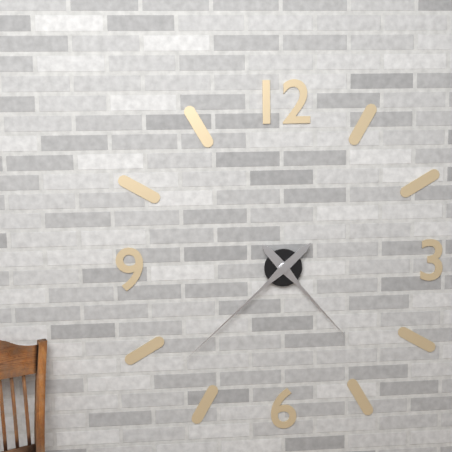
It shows 4:38
